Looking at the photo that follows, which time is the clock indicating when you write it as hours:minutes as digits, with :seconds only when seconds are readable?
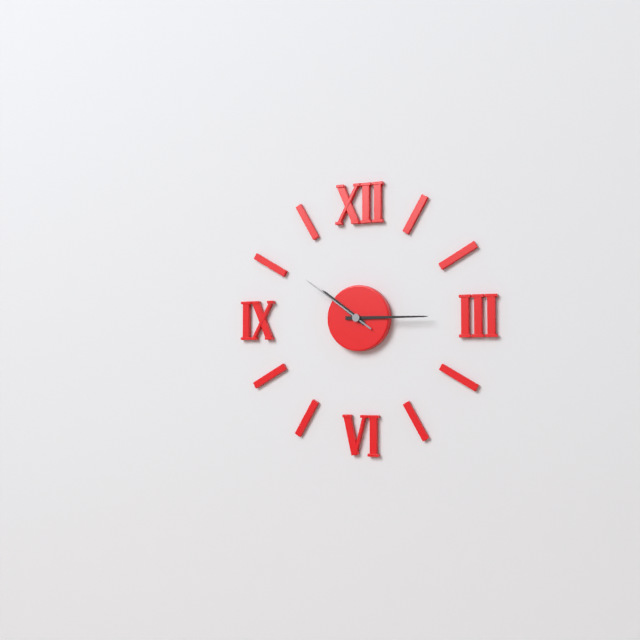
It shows 10:15:51
